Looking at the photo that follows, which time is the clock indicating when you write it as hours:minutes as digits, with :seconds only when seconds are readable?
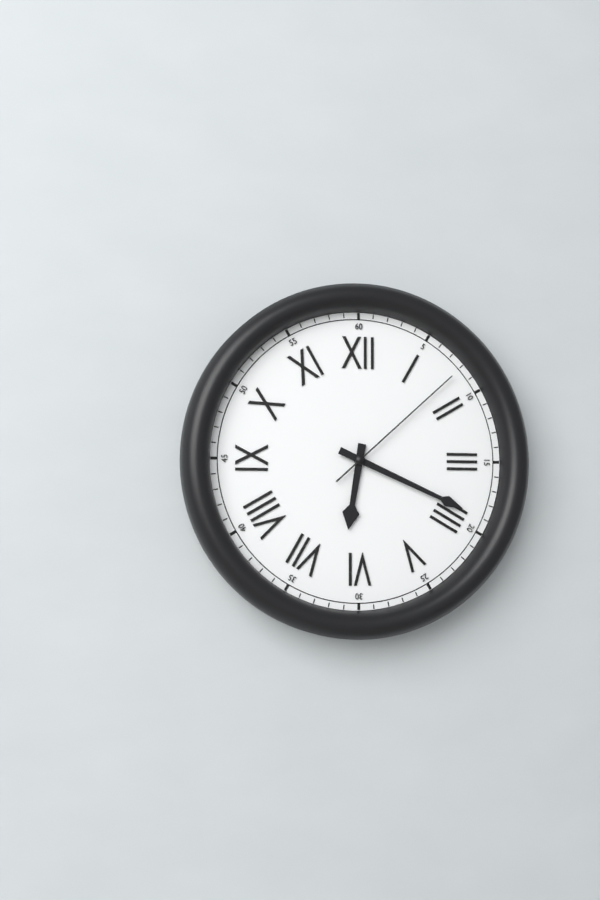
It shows 6:19:08
